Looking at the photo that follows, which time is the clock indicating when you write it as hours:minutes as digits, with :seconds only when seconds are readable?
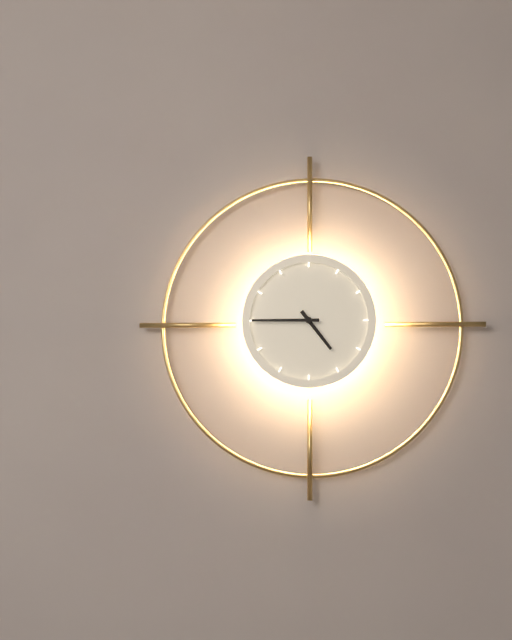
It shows 4:45
